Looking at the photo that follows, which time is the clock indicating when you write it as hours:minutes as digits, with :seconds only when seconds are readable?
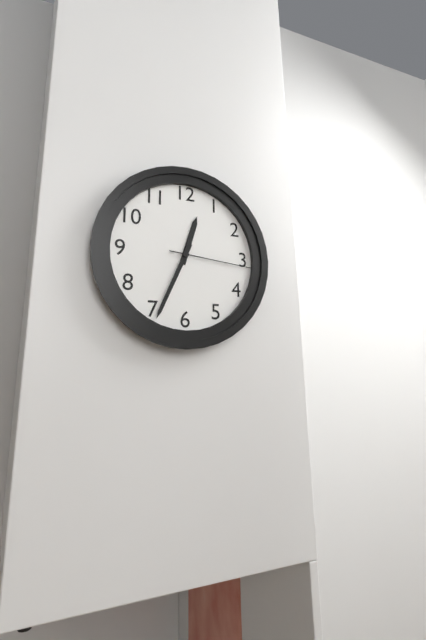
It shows 12:34:16
